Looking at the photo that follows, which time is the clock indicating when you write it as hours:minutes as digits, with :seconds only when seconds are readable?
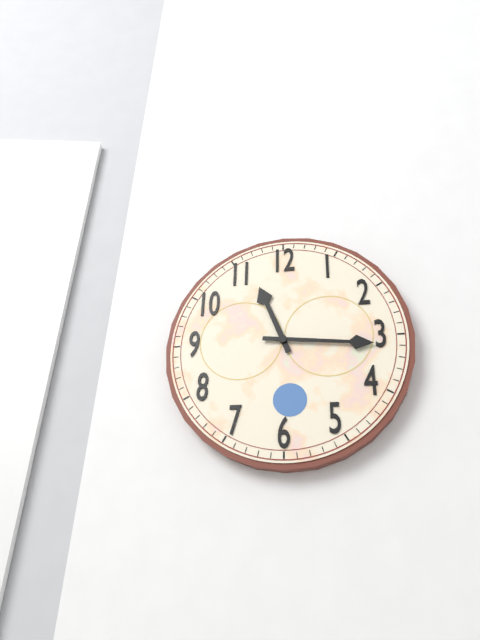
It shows 11:16
